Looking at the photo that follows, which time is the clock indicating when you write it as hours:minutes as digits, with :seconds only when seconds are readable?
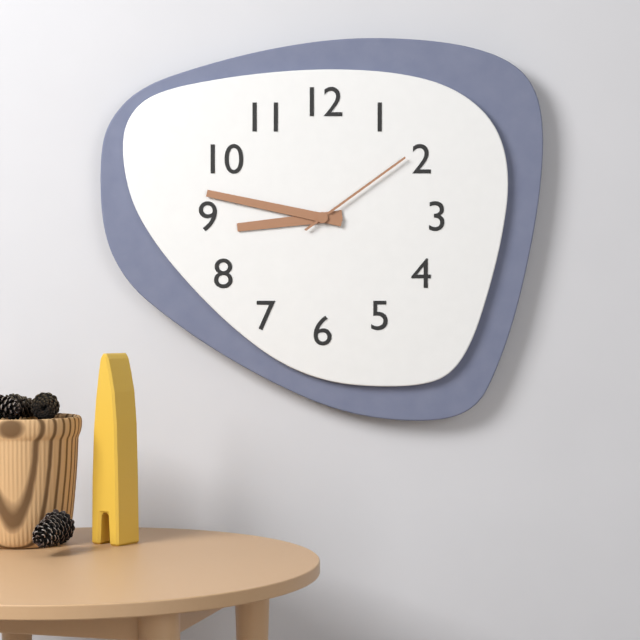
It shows 8:47:09
